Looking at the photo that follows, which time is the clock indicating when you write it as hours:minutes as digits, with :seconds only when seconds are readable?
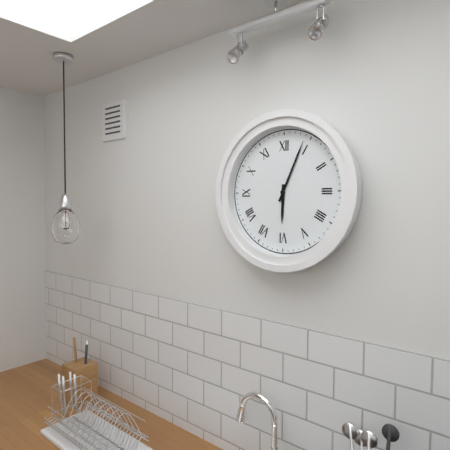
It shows 6:04
